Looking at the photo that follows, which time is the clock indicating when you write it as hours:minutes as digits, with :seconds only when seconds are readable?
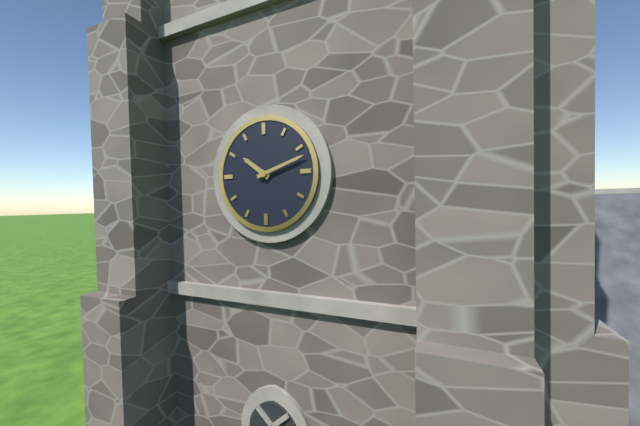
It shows 10:12
